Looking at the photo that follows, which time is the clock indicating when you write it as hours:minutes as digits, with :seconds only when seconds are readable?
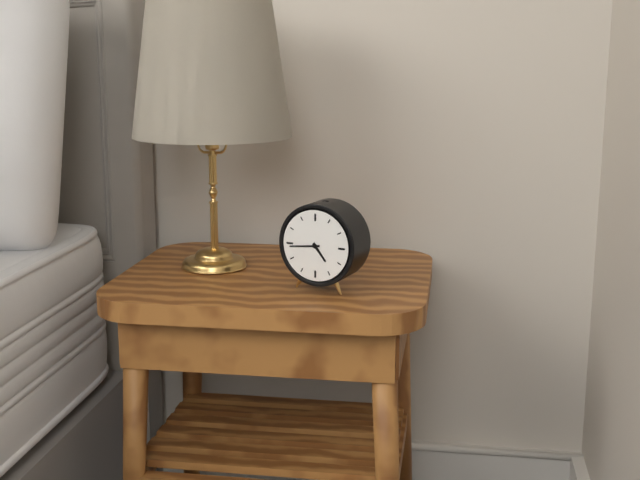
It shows 4:44
